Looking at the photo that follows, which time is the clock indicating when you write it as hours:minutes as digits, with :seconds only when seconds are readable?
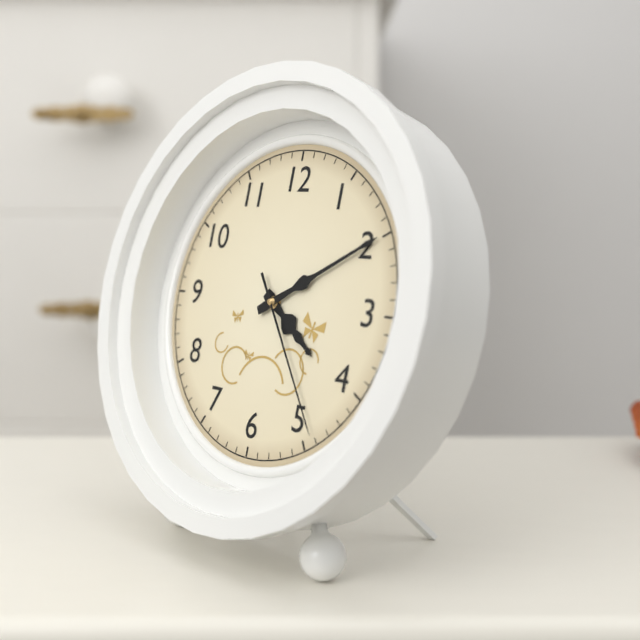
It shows 4:10:24
